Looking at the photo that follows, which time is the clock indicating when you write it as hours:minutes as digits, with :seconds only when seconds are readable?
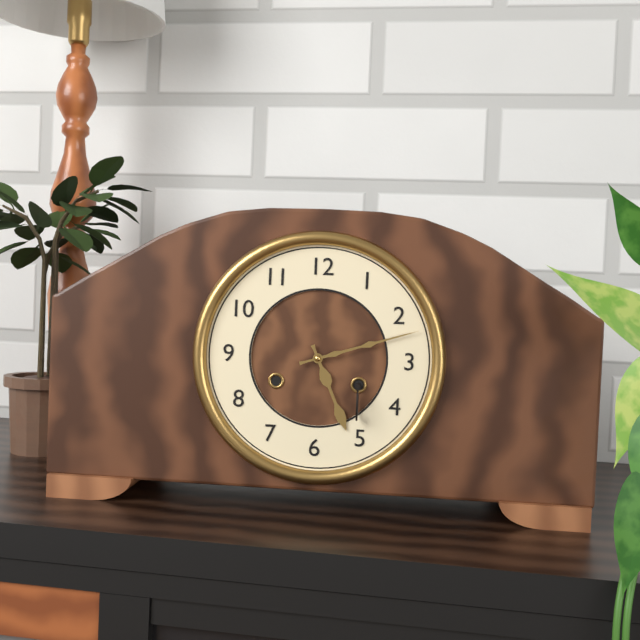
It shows 5:12
